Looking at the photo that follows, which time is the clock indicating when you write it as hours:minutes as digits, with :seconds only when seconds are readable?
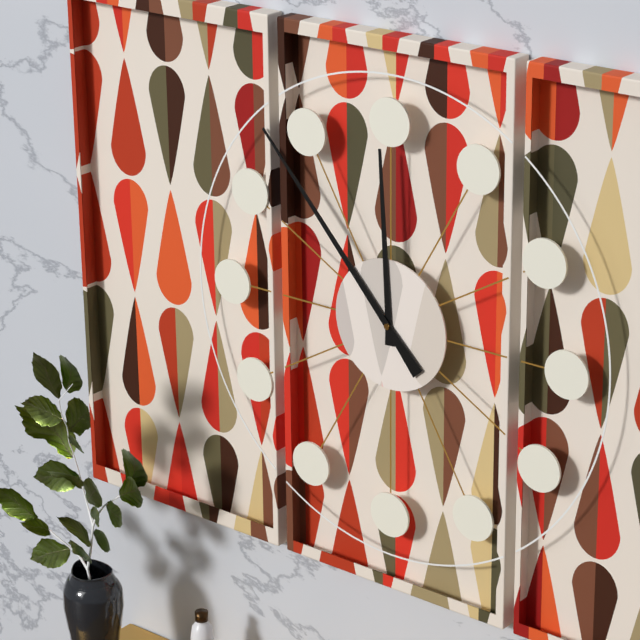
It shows 11:53
